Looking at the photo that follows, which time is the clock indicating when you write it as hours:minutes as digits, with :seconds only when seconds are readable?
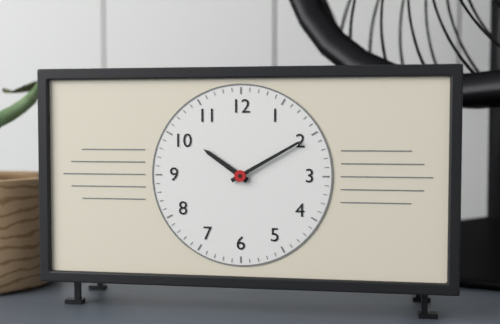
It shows 10:10
